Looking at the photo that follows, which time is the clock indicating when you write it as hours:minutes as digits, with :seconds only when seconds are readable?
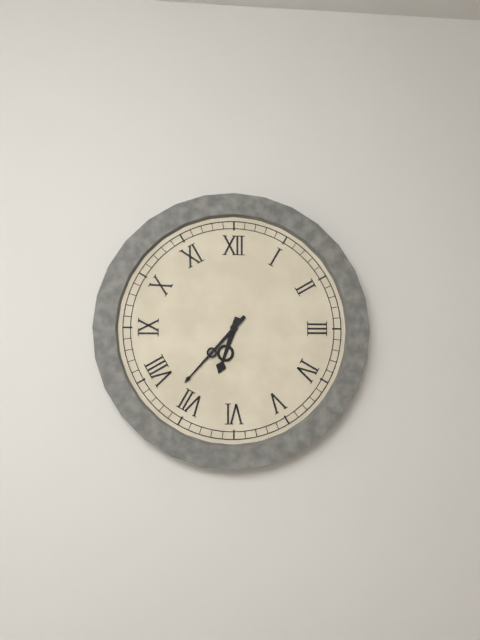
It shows 6:37
